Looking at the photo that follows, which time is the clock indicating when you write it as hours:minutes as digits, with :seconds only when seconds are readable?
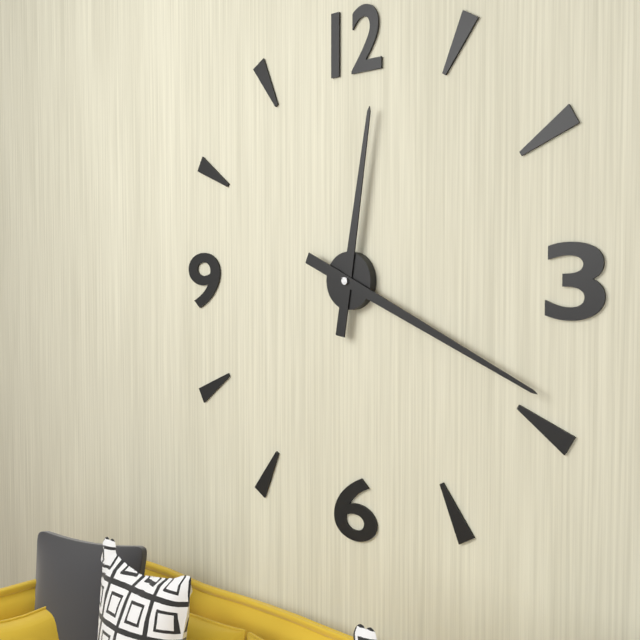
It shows 12:19
